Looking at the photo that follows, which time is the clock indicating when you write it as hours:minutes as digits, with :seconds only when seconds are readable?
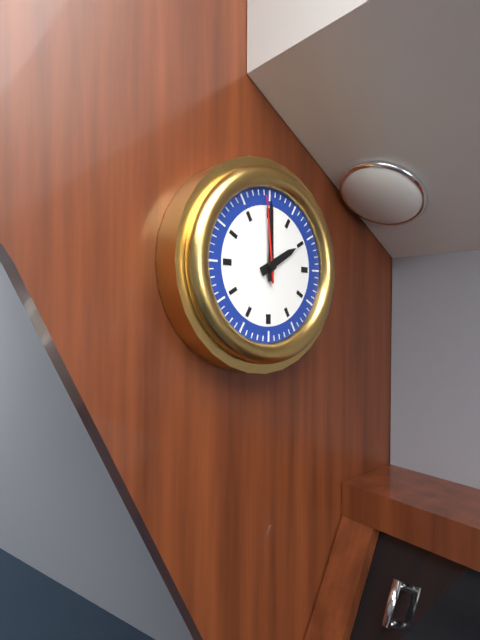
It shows 2:00:59
